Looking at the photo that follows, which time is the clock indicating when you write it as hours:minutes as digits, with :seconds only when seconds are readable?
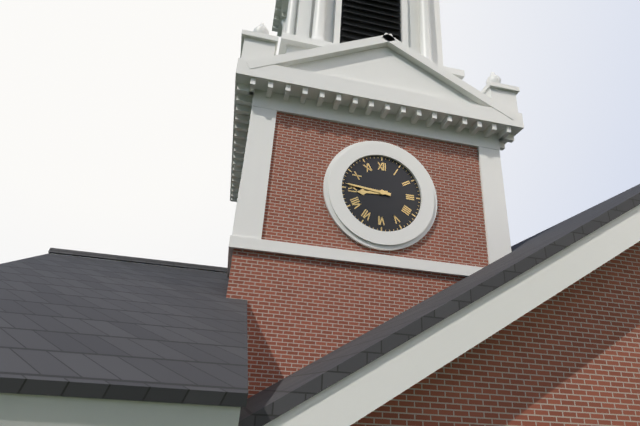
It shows 8:46
